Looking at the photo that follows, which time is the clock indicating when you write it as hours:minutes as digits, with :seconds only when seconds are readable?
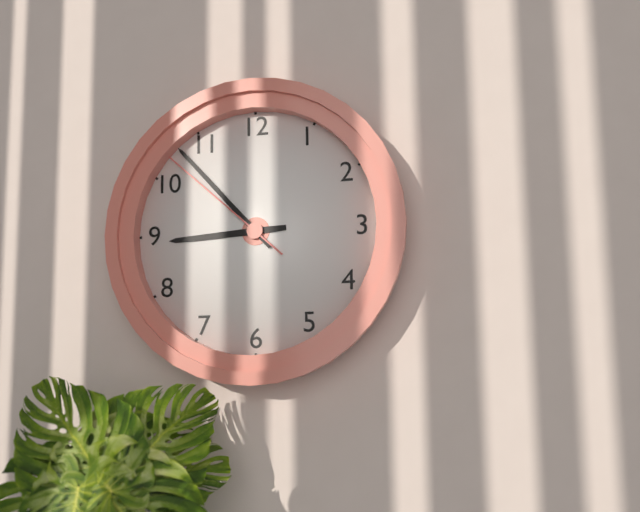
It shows 8:53:52
